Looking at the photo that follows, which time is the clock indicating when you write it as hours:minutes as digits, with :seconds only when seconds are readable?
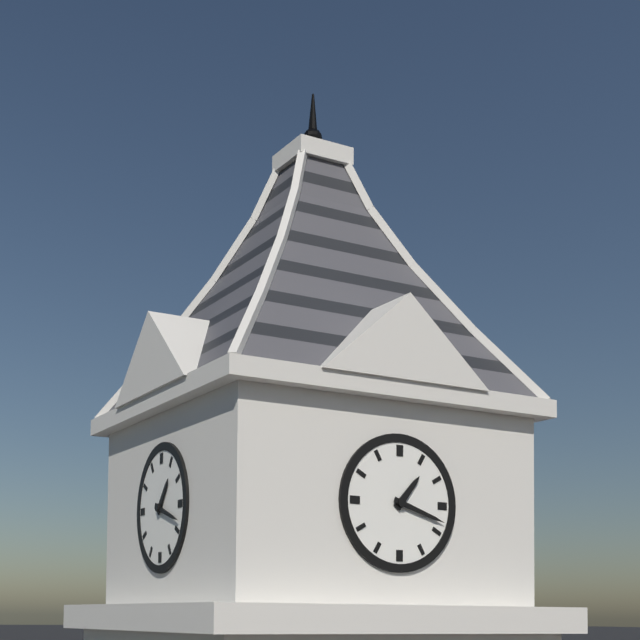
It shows 1:18
